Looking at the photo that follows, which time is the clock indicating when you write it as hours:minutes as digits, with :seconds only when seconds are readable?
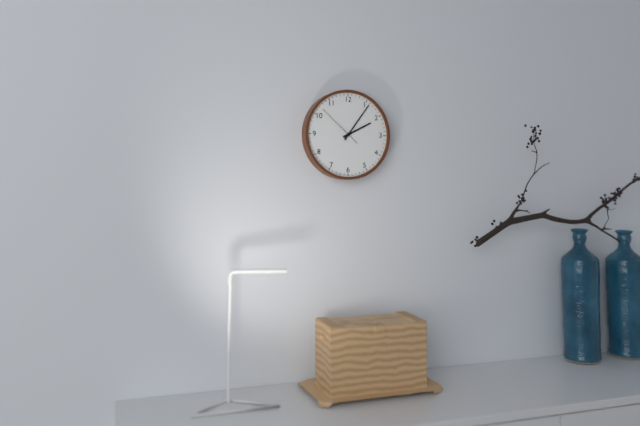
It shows 2:06
